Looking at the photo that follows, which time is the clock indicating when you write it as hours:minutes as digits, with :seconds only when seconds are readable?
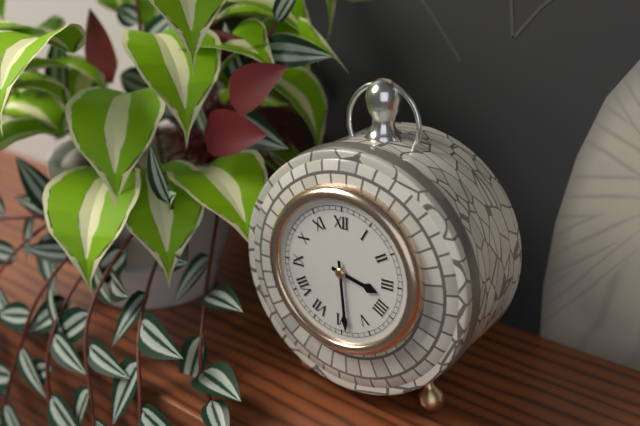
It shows 3:29
